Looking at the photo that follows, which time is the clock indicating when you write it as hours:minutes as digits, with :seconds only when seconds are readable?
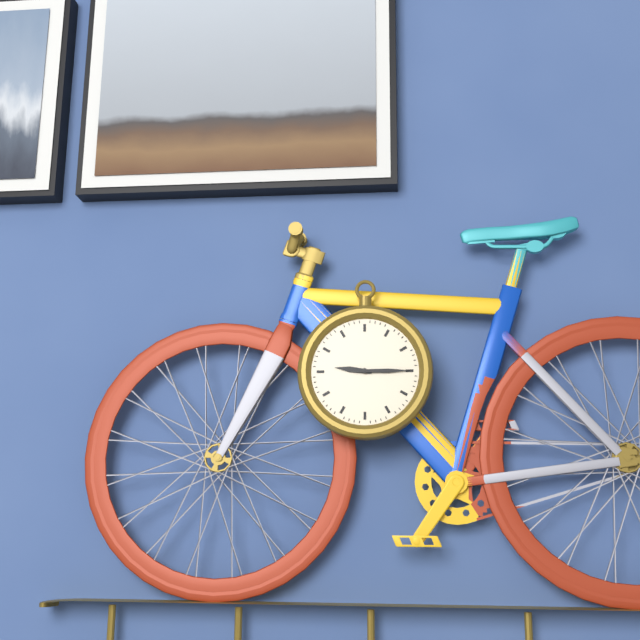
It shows 9:15
